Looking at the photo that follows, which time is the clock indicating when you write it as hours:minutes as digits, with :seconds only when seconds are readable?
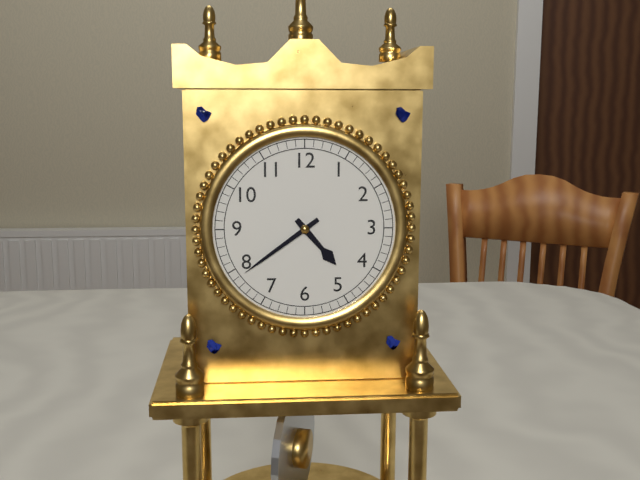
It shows 4:39
